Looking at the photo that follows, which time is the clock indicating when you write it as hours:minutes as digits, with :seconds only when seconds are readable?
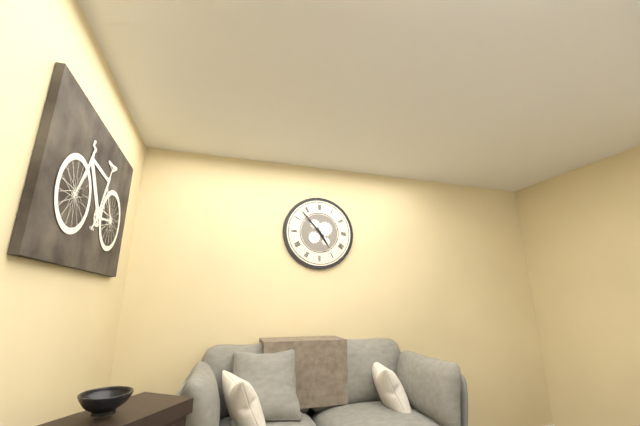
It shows 4:53
